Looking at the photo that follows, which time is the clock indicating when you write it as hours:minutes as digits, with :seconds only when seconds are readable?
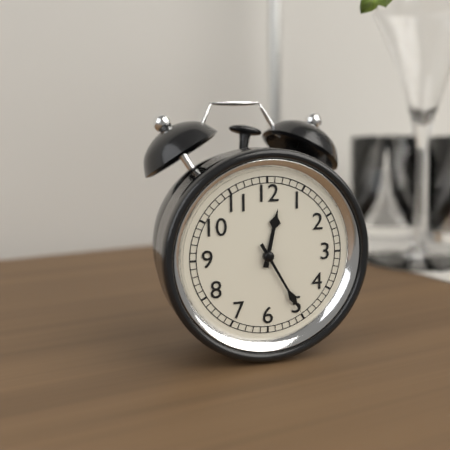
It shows 12:25
